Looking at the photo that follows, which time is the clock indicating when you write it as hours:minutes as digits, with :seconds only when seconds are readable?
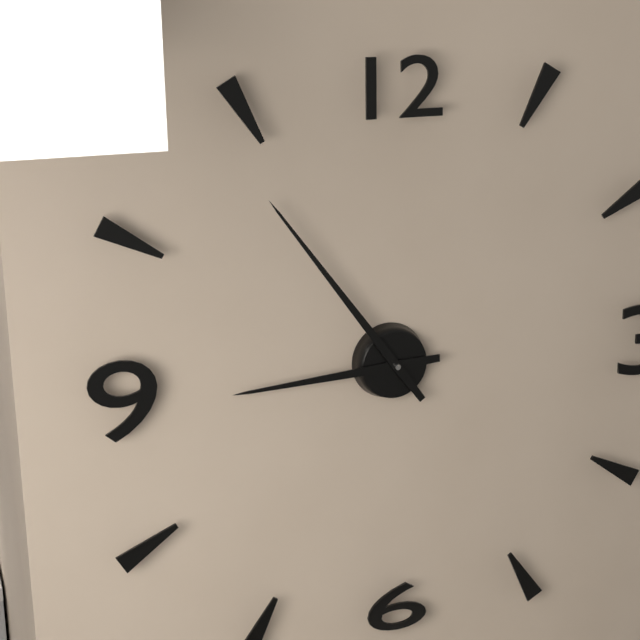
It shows 8:54
